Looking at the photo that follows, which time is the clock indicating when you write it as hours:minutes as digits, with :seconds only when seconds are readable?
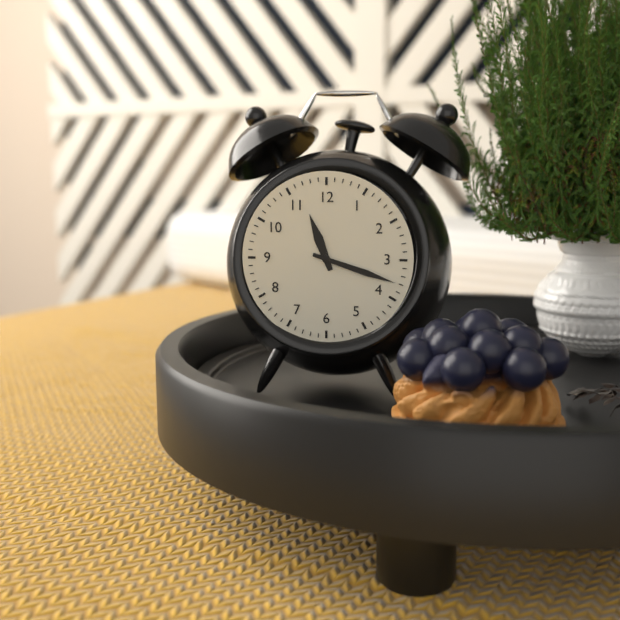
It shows 11:18
